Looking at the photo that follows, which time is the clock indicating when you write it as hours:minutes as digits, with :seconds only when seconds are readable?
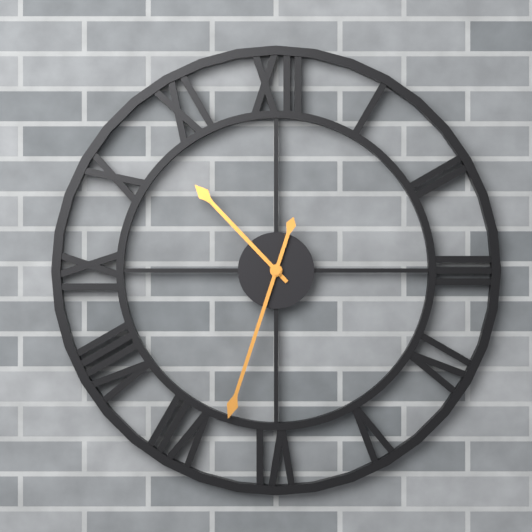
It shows 10:33
